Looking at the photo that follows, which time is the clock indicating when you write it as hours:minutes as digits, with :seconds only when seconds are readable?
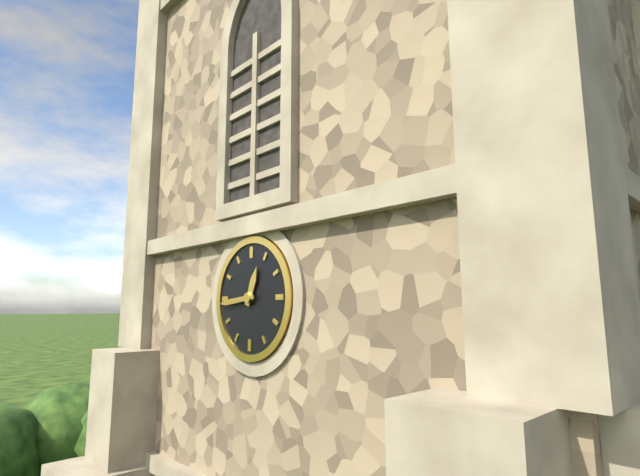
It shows 12:44
